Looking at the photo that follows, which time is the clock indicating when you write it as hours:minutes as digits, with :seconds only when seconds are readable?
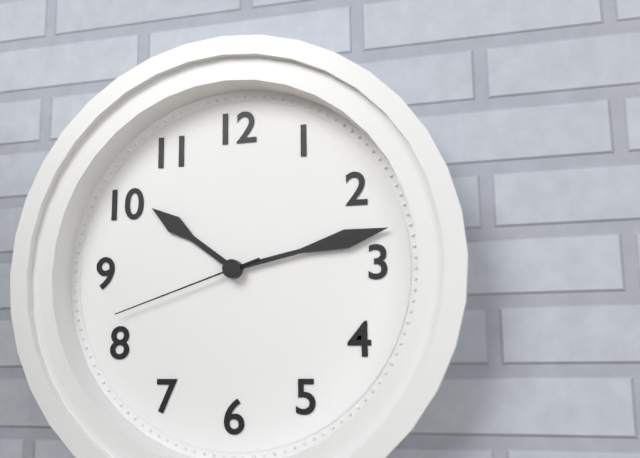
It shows 10:13:42
